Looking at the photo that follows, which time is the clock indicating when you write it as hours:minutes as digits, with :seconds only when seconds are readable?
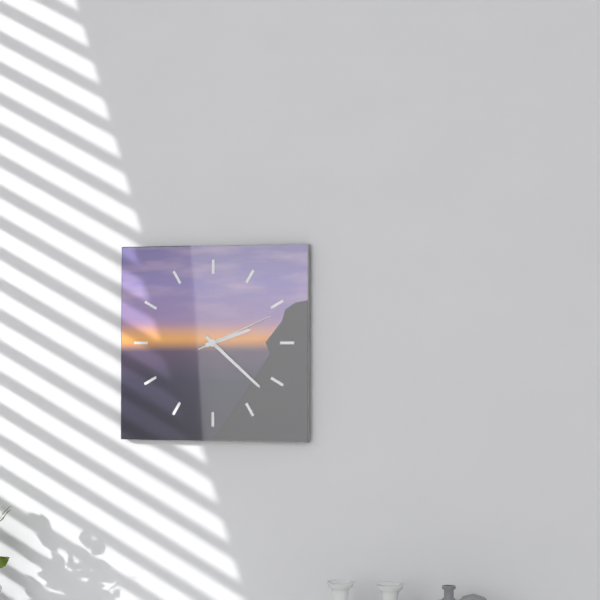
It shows 2:22:11
